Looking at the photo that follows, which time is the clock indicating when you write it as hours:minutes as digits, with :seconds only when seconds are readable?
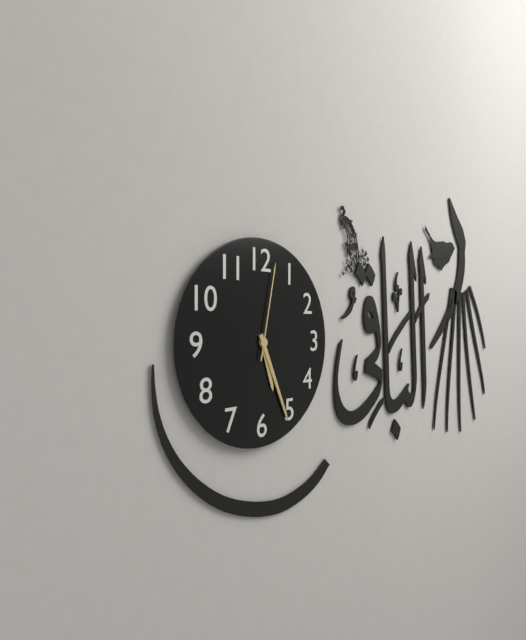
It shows 5:26:02
